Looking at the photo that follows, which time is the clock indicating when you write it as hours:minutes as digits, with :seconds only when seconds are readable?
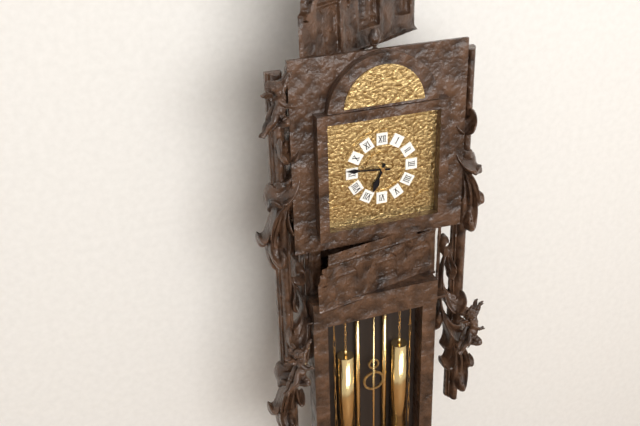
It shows 6:46
